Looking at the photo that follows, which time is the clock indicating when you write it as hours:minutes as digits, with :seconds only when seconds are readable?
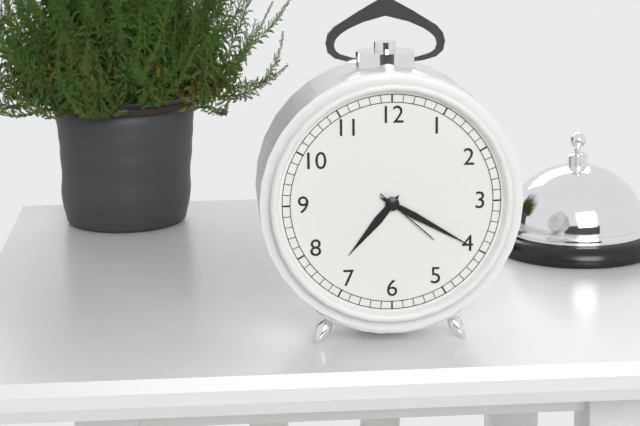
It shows 7:20:22
